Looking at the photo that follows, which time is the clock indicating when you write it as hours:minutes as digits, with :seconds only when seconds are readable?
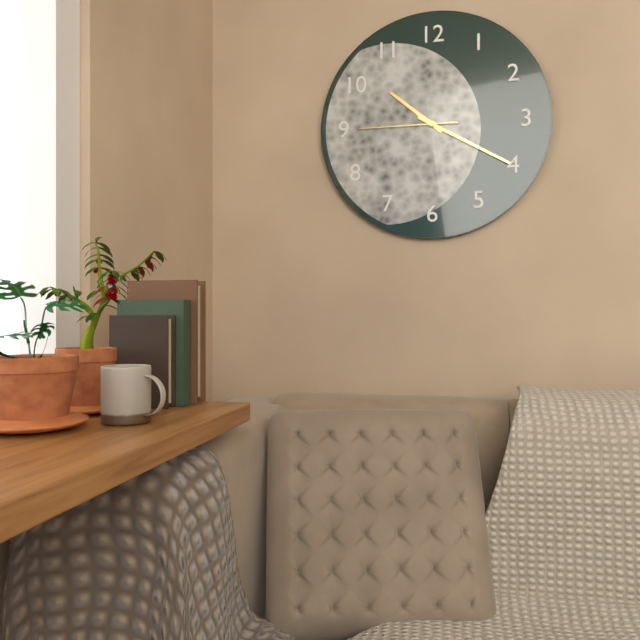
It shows 10:20:45
